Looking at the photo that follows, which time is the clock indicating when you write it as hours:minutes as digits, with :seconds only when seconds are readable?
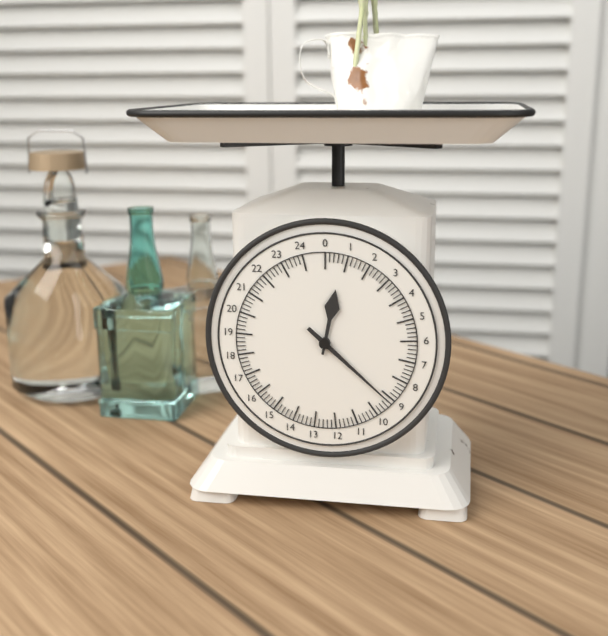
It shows 12:22
